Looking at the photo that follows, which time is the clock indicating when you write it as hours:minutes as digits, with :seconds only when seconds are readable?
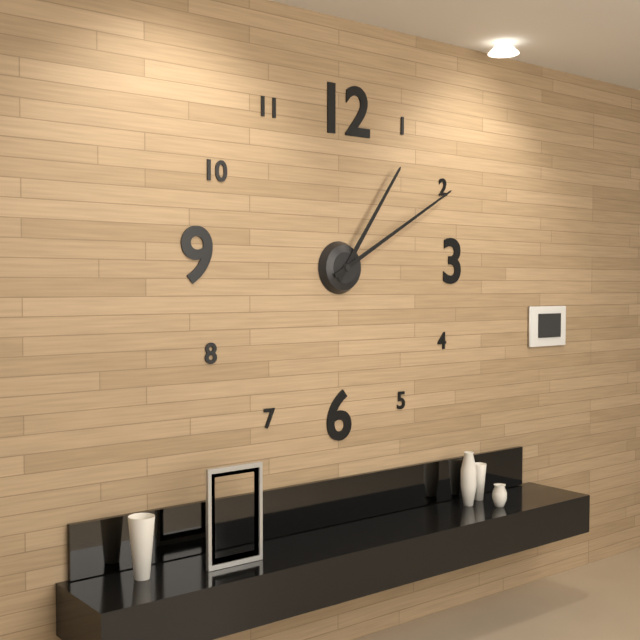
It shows 1:10
